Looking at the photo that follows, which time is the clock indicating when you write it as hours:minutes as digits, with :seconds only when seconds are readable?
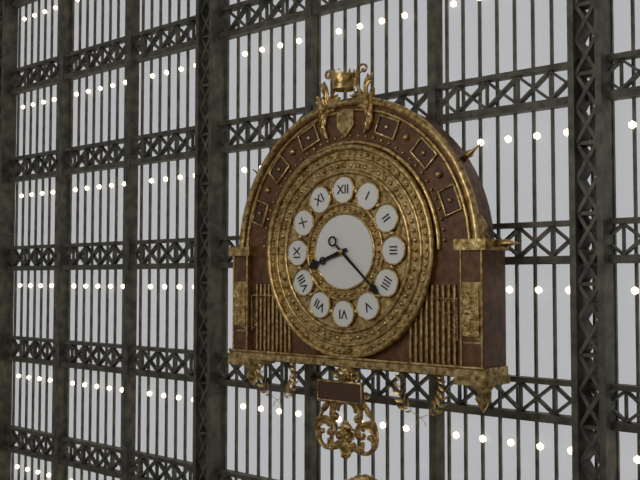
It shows 8:22
